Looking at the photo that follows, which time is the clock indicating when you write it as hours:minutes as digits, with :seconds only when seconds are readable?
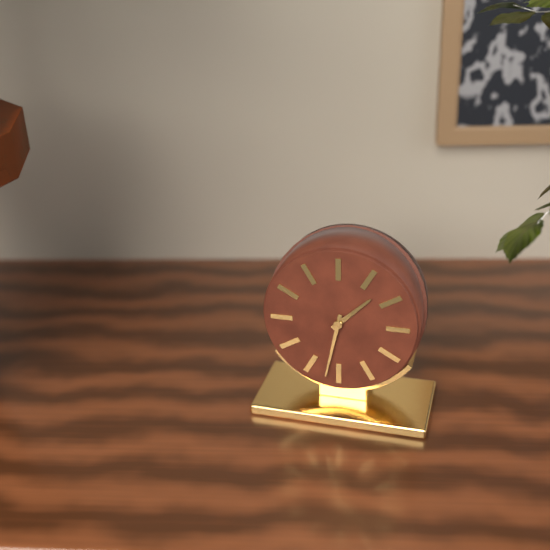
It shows 1:32
